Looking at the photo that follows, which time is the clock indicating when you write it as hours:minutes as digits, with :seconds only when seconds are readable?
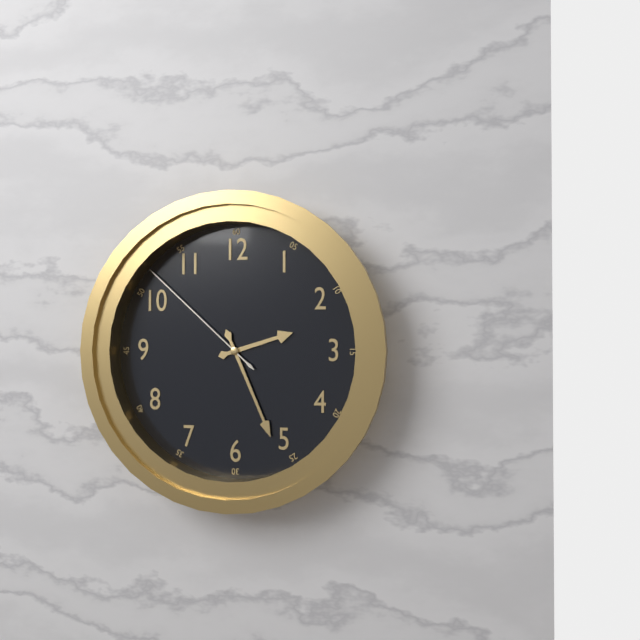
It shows 2:26:52
